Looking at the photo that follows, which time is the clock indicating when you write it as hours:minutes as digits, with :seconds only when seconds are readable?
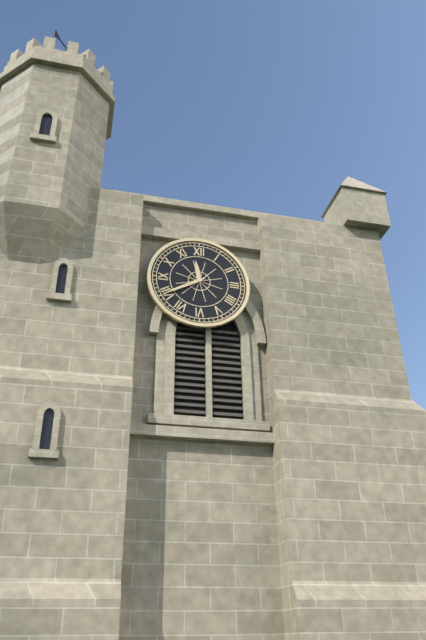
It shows 11:40
